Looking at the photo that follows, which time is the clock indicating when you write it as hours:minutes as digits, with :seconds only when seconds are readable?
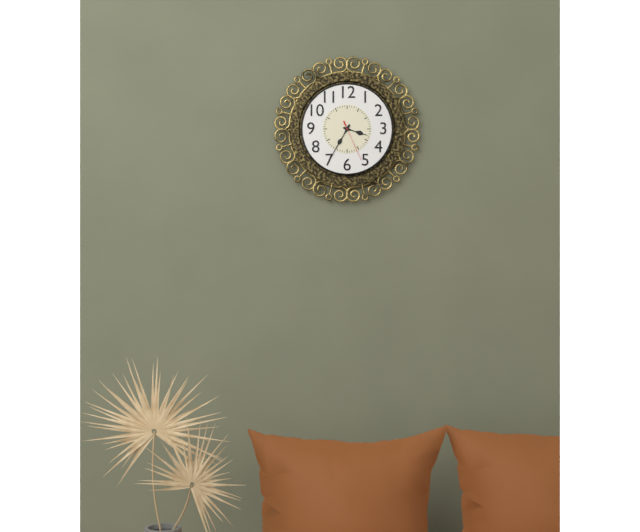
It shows 3:35
